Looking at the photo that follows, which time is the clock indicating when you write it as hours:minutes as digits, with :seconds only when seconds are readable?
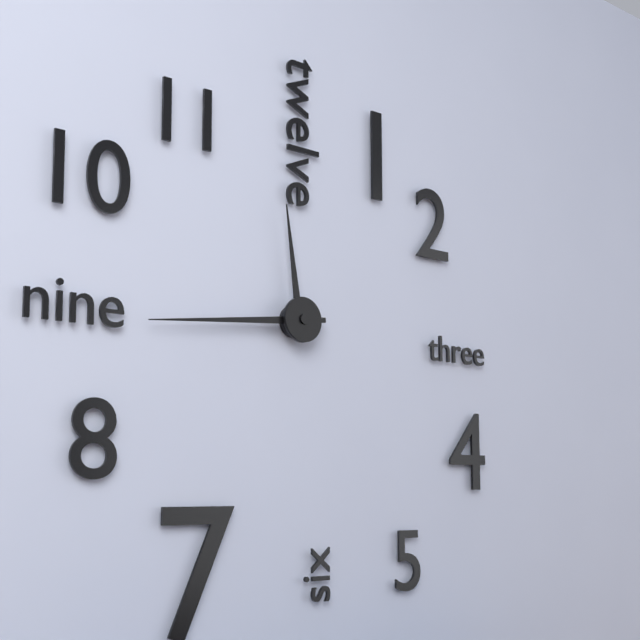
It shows 11:44
